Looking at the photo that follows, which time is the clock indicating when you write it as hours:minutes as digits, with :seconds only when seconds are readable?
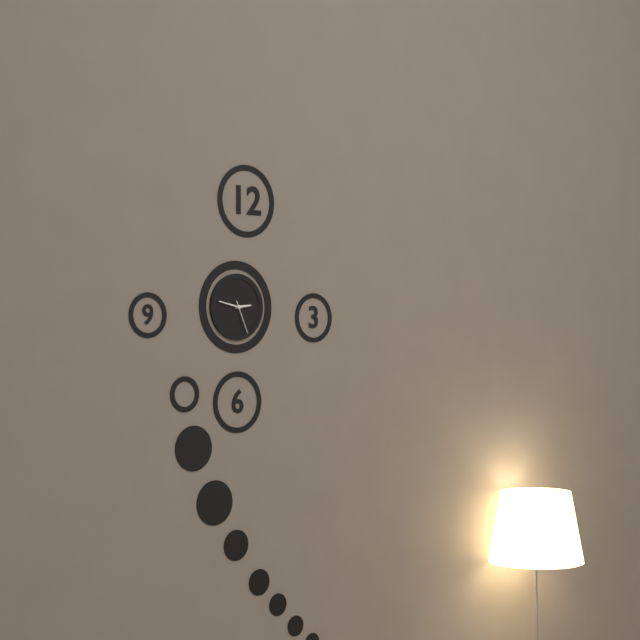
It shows 2:47
